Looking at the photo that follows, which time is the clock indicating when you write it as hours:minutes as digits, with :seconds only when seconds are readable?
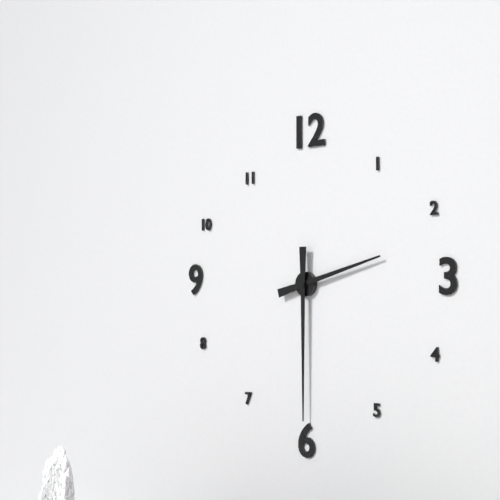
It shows 2:30
